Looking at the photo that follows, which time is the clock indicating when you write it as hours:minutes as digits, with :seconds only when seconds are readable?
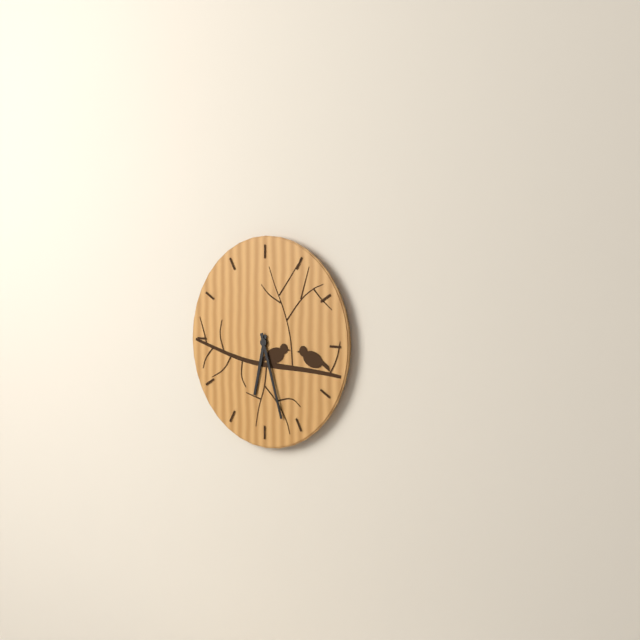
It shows 6:27
